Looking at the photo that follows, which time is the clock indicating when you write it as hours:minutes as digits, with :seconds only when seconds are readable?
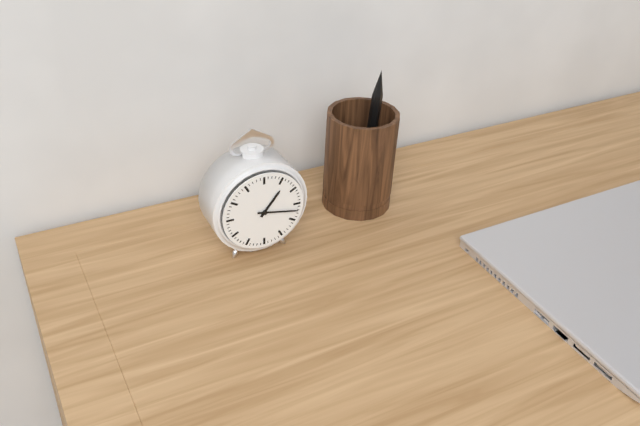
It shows 1:17
